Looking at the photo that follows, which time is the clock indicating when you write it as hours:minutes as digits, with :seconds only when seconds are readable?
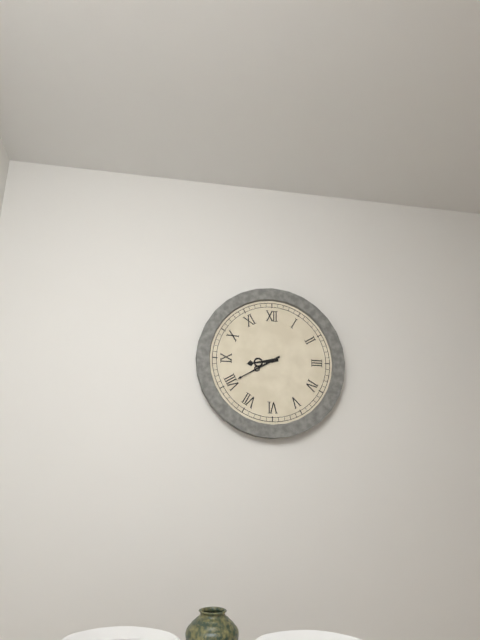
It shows 8:40
